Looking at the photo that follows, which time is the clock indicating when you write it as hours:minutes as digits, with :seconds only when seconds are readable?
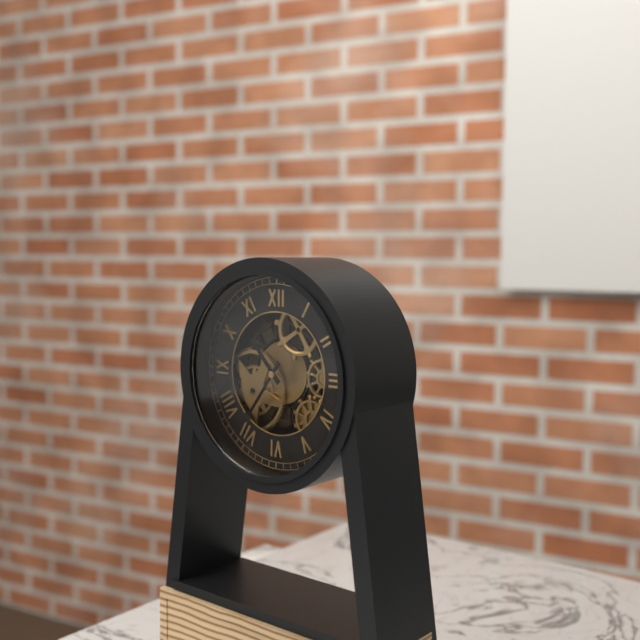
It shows 10:36
